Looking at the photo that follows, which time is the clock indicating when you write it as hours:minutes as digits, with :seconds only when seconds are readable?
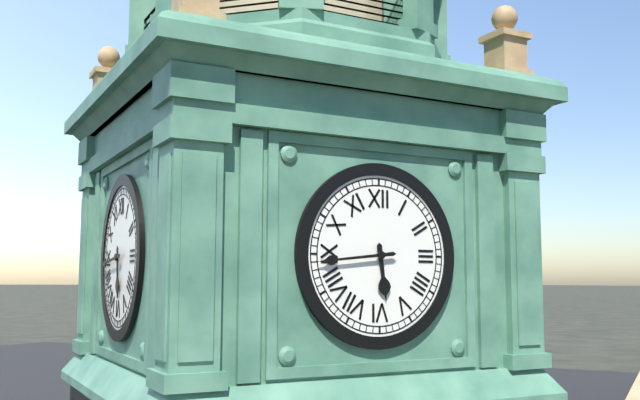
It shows 5:44
